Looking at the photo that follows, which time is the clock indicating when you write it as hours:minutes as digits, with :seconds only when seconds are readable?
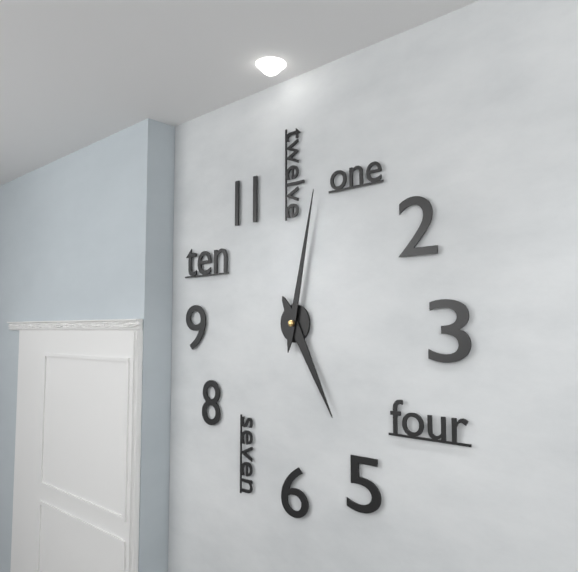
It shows 5:02
